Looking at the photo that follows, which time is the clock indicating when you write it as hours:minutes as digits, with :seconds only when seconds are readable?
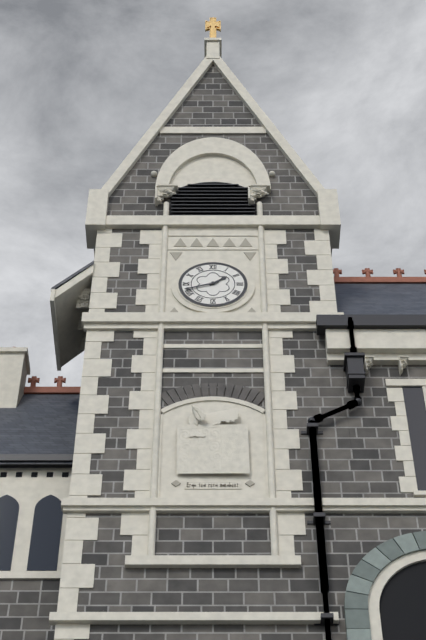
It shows 1:42
